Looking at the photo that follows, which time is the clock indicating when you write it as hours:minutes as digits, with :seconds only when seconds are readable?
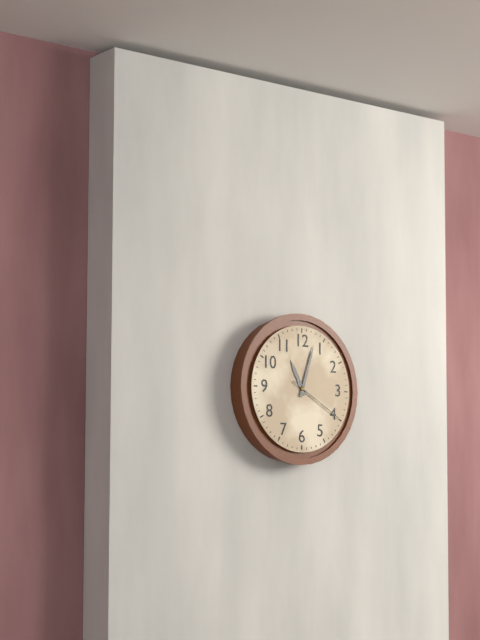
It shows 11:03:20
